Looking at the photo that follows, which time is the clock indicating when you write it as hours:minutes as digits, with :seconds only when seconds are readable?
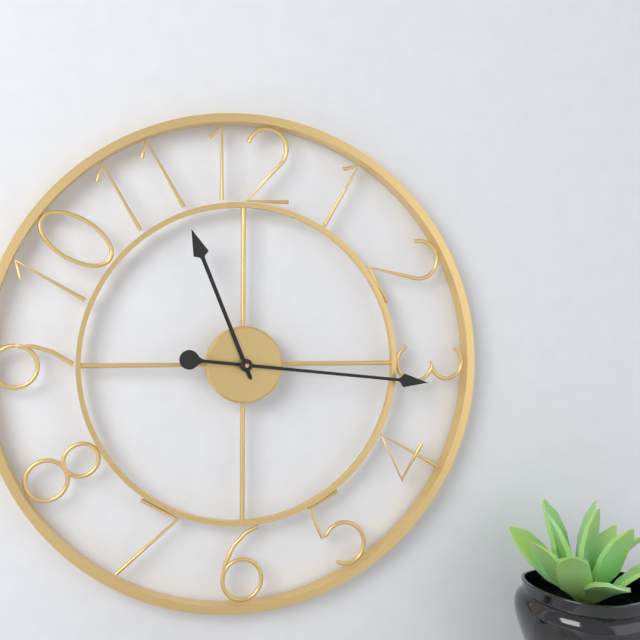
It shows 11:16
